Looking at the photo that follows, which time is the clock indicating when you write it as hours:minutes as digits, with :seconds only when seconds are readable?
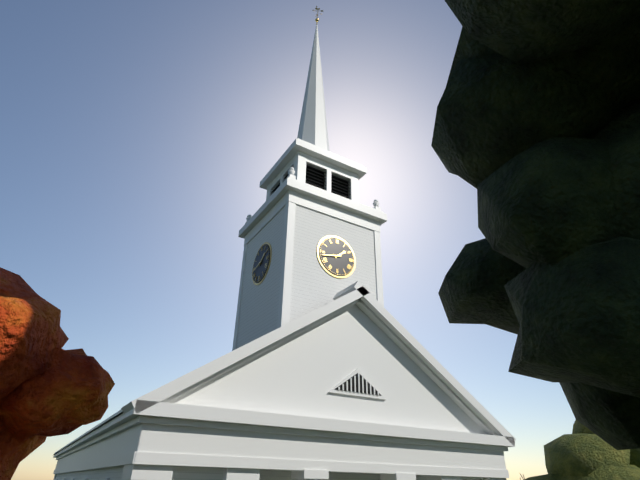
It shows 1:43
